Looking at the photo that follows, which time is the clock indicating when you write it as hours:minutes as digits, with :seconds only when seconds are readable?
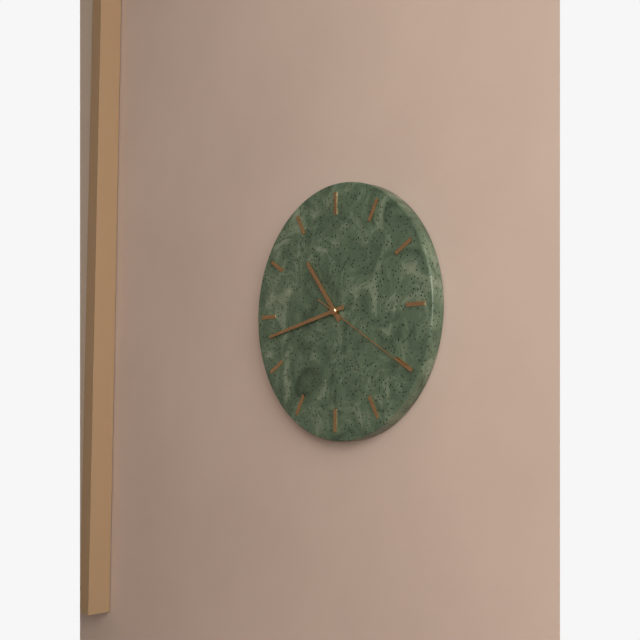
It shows 10:43:20
